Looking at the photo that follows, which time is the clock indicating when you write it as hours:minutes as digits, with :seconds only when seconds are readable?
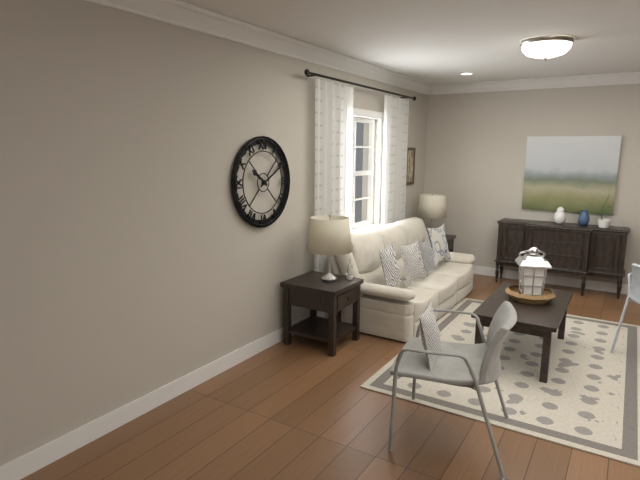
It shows 10:10
